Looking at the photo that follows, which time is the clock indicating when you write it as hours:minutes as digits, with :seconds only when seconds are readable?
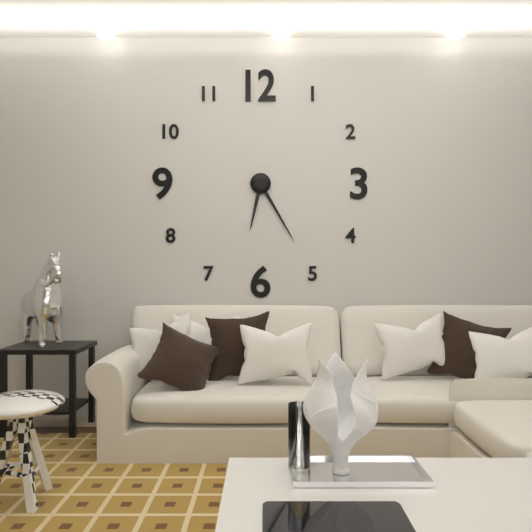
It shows 6:25
